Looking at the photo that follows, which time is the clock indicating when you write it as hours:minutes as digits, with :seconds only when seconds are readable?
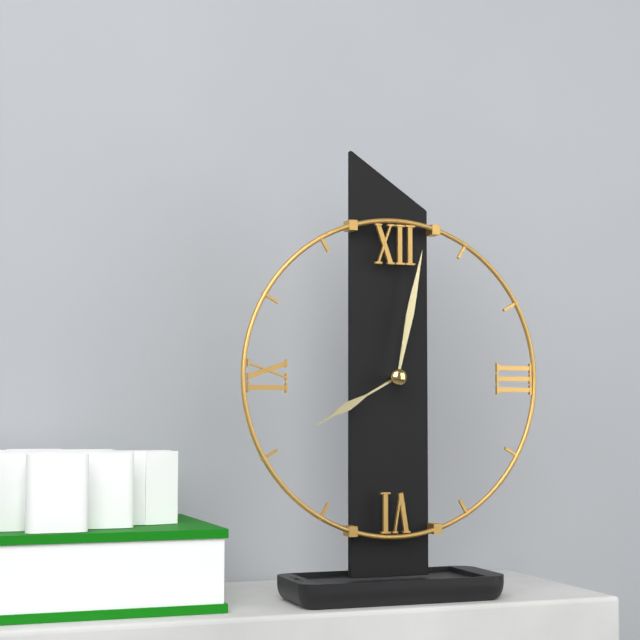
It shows 8:02
